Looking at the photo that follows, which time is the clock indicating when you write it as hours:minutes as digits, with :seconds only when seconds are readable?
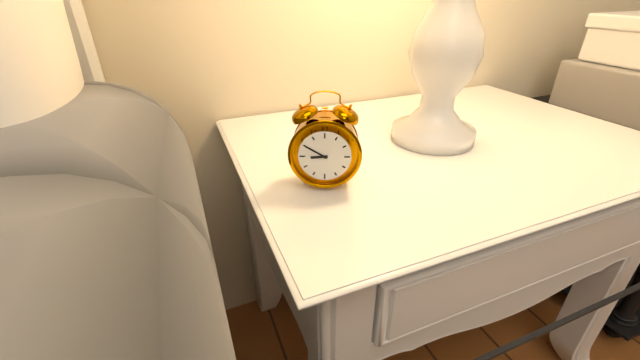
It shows 8:50
